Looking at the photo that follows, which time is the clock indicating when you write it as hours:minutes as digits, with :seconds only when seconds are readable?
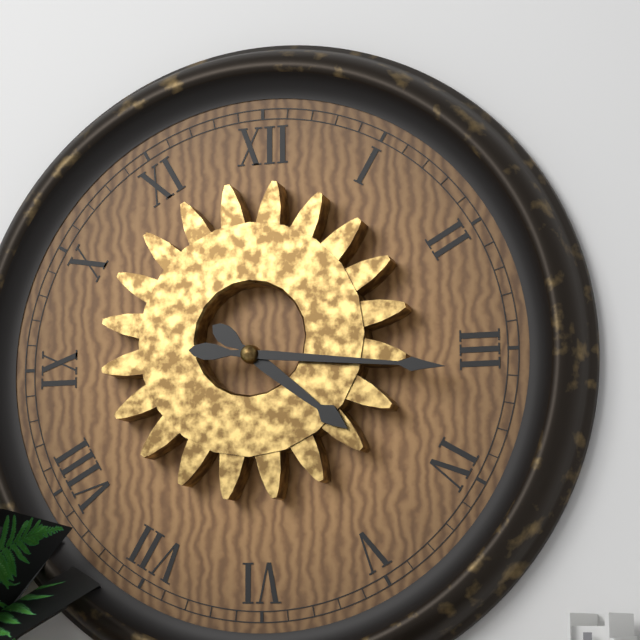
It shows 4:16
